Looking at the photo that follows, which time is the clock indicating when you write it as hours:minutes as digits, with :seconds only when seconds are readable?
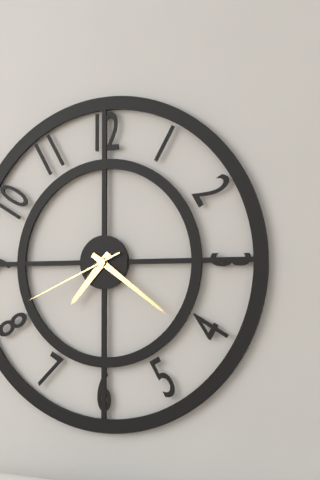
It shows 7:21:41
